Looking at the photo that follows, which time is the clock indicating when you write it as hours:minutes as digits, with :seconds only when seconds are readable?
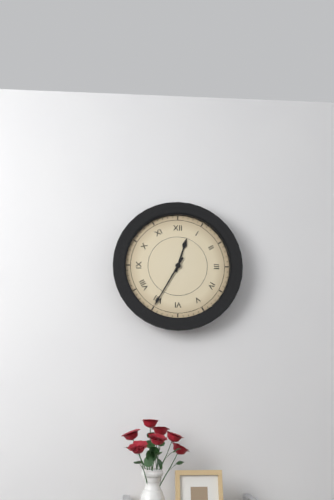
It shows 12:35
